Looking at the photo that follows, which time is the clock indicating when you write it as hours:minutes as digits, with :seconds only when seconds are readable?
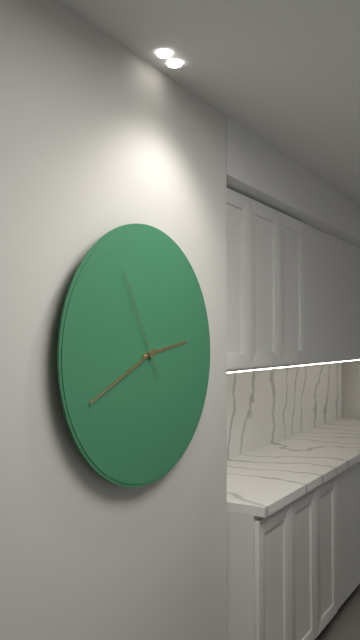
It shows 2:41:55
